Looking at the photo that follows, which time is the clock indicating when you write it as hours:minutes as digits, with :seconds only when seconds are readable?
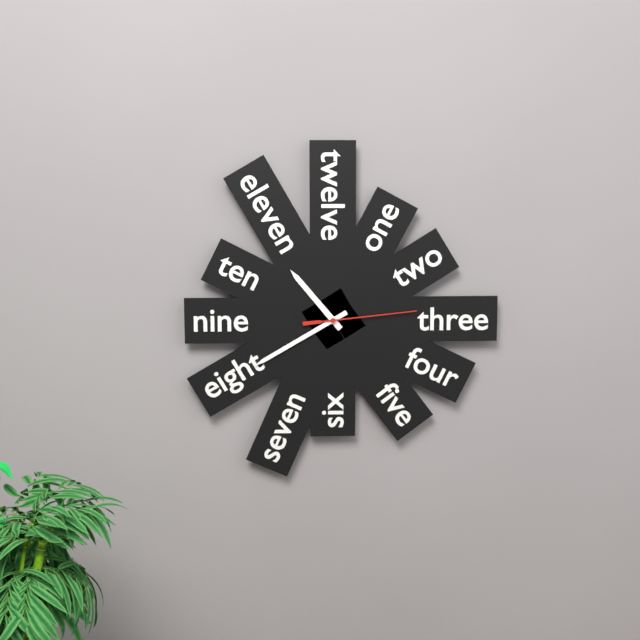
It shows 10:40:14
